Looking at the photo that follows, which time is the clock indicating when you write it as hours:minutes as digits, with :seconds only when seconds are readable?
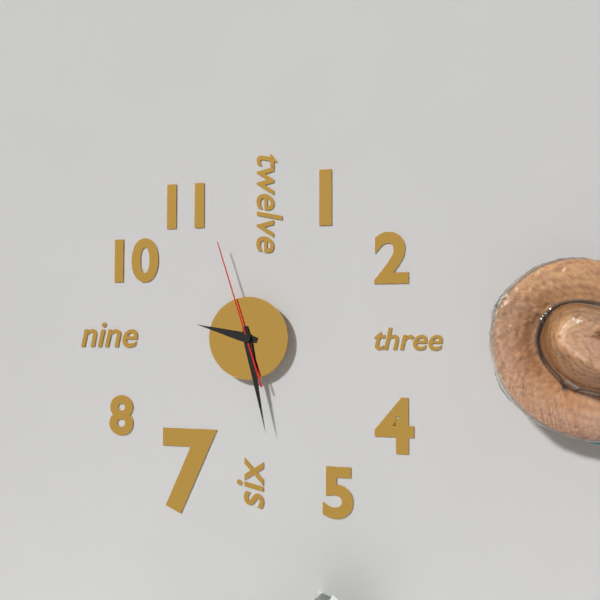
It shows 9:28:57
